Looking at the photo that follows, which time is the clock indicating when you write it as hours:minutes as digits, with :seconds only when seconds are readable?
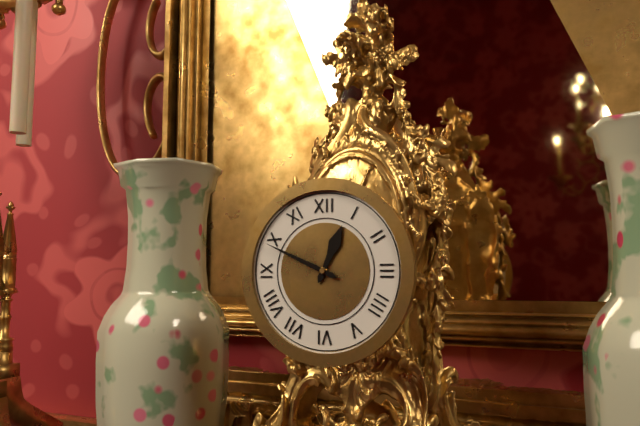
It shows 12:49
